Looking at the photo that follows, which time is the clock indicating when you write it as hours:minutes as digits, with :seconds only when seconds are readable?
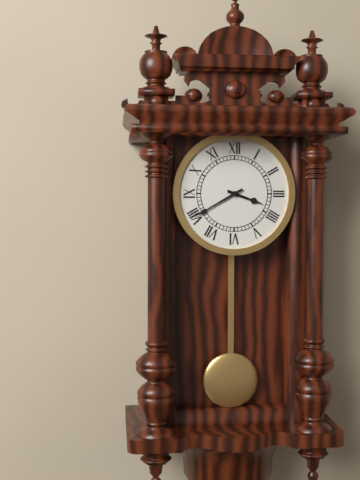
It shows 3:40
